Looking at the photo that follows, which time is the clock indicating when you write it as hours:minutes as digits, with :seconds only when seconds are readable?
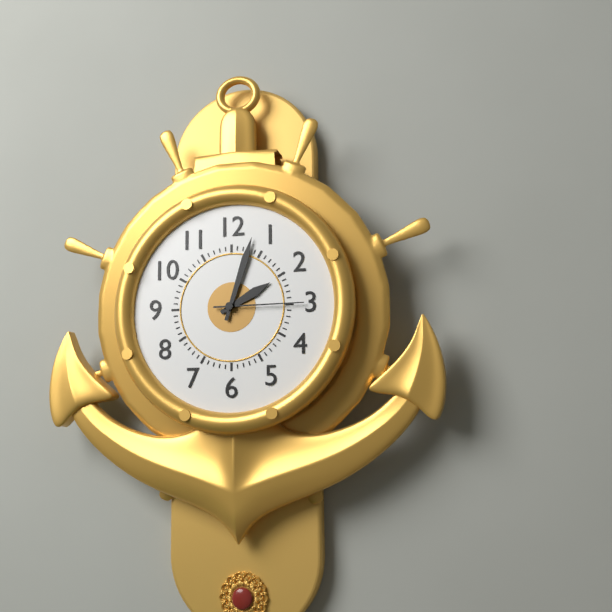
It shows 2:03:15
